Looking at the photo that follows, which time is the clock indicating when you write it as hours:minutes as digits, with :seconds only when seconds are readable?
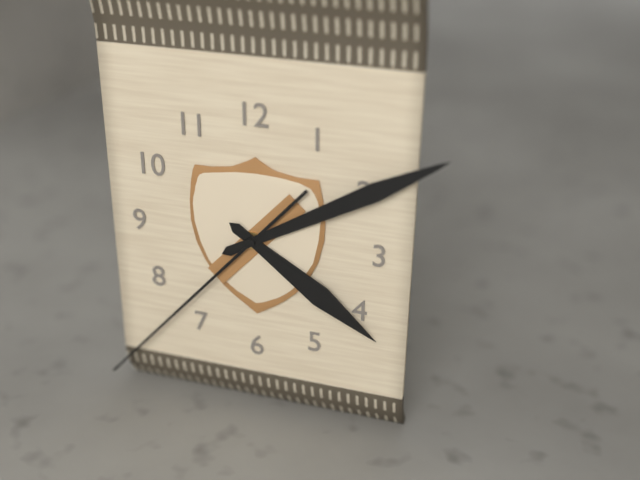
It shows 4:10:37
